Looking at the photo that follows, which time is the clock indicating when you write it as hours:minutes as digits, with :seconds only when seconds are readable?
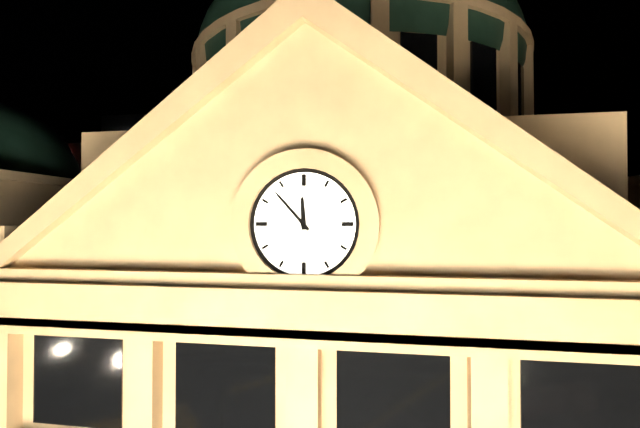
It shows 11:53
